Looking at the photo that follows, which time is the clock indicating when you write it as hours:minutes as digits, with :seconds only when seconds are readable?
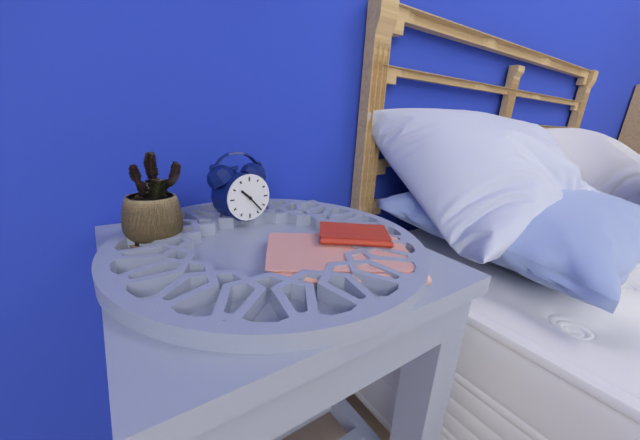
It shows 10:23
